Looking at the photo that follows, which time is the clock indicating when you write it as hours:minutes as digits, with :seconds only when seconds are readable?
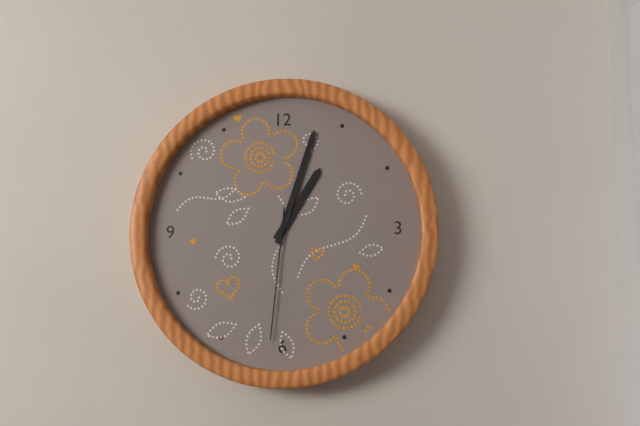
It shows 1:03:31
